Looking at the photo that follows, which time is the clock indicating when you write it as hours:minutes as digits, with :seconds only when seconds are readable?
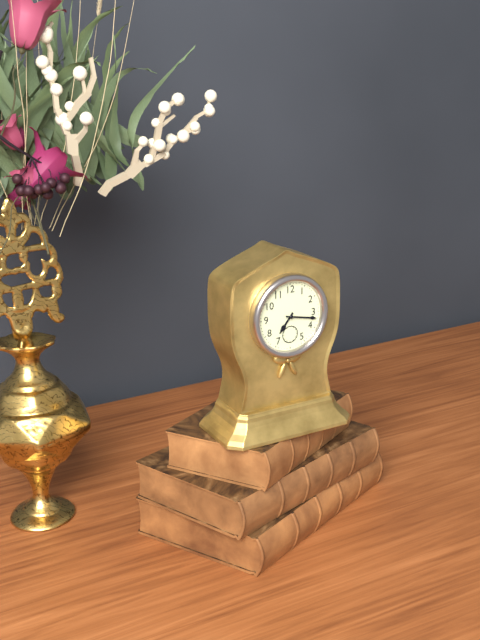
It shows 7:17
